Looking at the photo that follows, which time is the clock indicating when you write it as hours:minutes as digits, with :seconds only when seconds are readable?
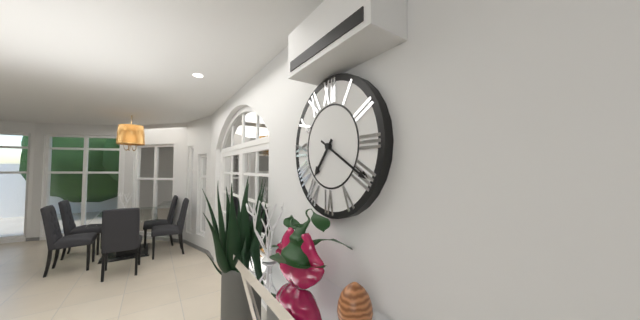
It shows 7:20
